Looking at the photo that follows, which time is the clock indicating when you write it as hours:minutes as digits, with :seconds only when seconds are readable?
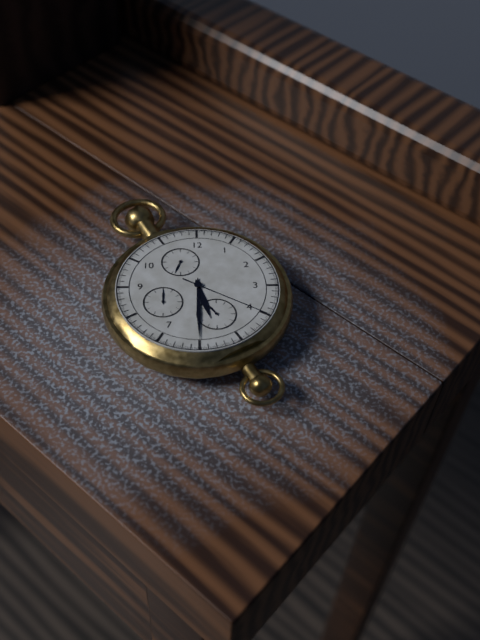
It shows 5:30:20
